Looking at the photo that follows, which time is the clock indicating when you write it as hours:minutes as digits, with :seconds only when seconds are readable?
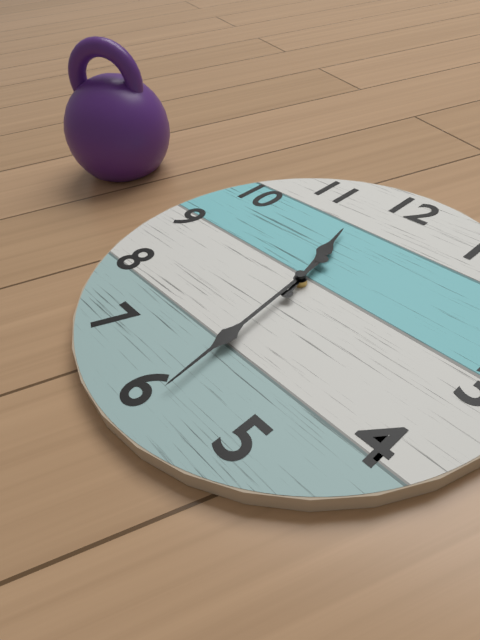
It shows 11:29
